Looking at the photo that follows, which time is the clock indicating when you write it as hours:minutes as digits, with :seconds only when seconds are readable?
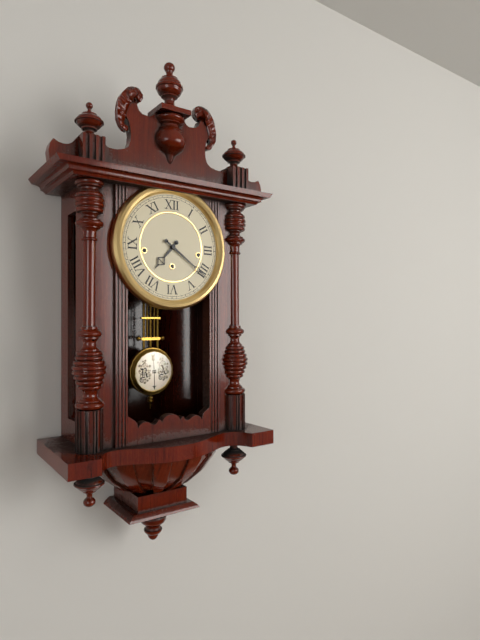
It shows 7:21
